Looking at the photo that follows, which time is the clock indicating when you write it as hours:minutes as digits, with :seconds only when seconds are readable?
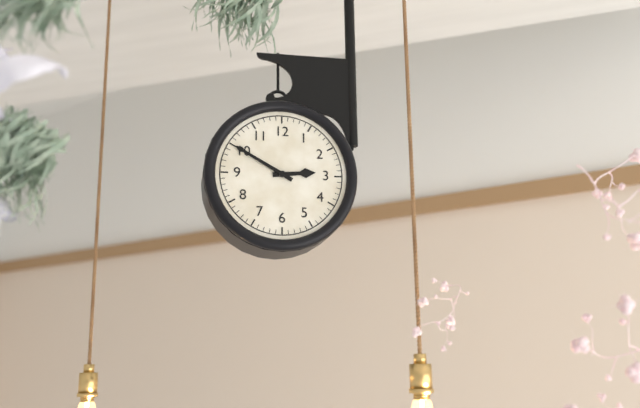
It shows 2:50
